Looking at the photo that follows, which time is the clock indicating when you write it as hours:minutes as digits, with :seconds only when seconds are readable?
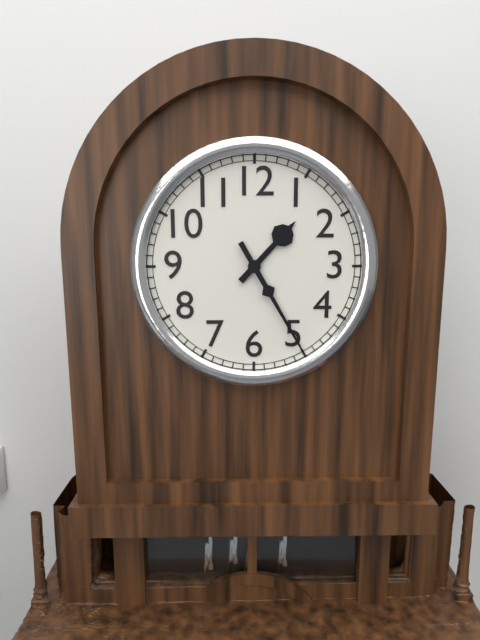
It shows 1:25
